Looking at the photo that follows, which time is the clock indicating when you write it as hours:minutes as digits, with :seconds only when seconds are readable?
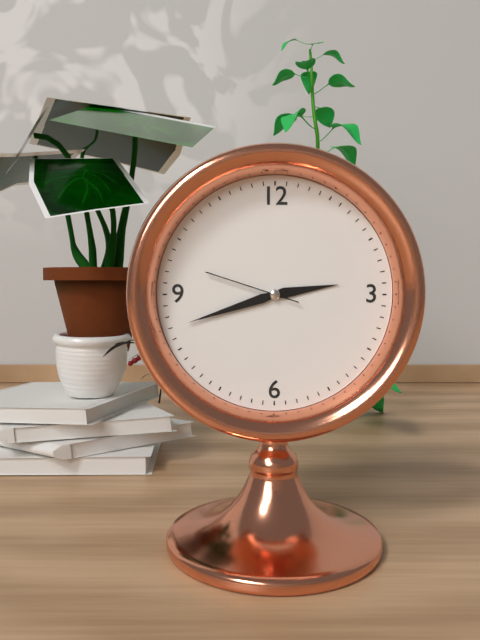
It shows 2:42:48
